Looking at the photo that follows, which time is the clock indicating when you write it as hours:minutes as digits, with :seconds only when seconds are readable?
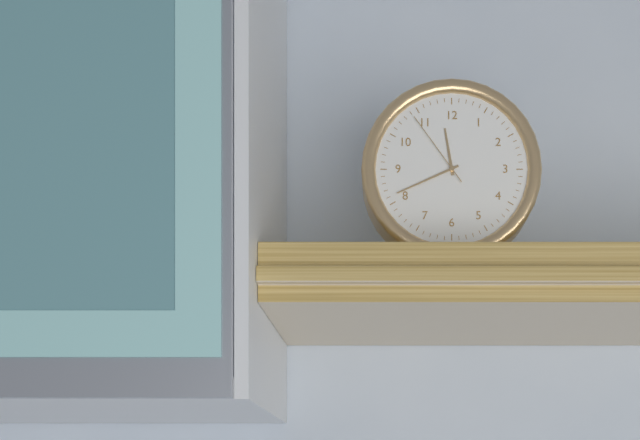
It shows 11:41:54
